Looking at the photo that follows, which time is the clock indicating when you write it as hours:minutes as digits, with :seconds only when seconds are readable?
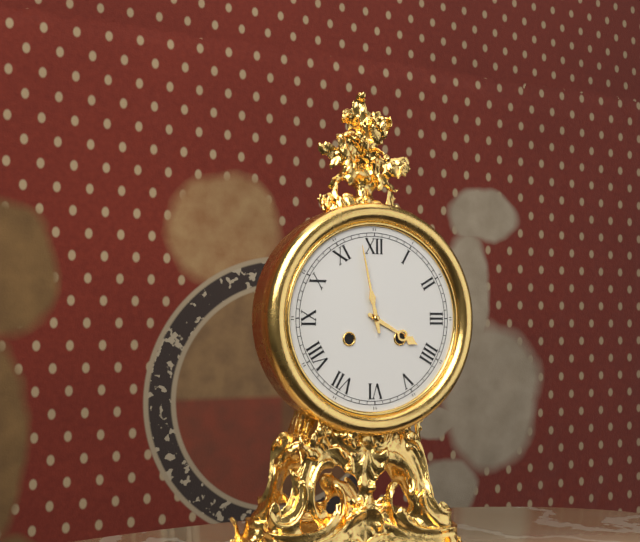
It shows 3:58
